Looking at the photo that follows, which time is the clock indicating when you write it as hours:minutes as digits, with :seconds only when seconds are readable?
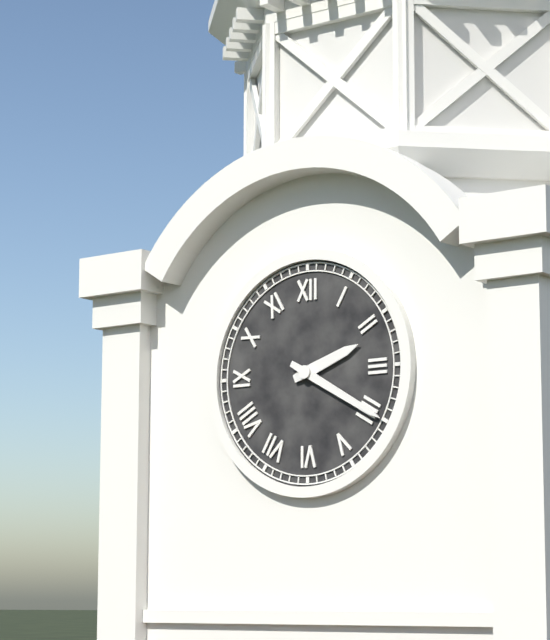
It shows 2:20
